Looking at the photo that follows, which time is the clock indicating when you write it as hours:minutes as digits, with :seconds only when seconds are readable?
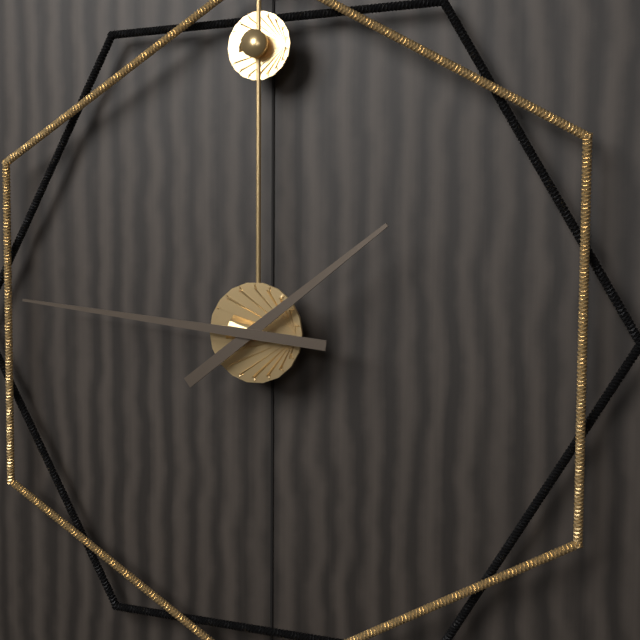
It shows 1:46
